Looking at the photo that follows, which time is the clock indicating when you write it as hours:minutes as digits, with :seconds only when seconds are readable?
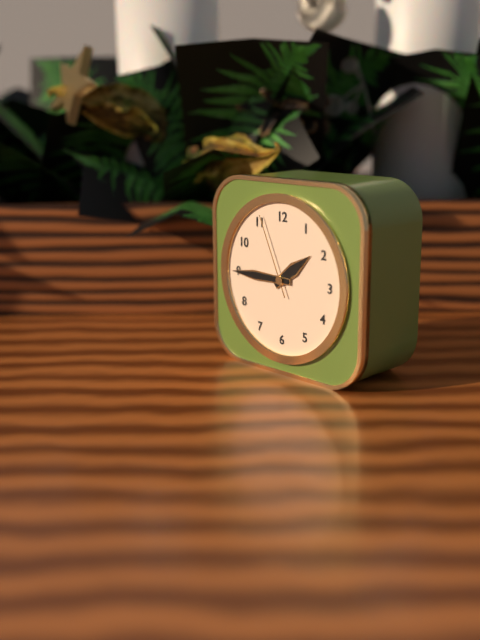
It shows 1:45:56
